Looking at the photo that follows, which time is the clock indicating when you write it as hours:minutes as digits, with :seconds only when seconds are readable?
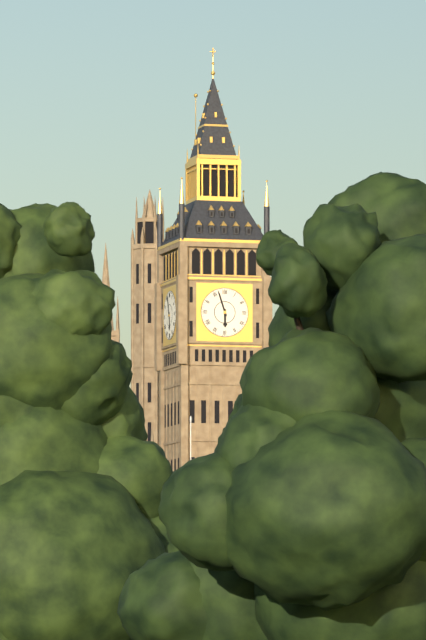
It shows 5:57
